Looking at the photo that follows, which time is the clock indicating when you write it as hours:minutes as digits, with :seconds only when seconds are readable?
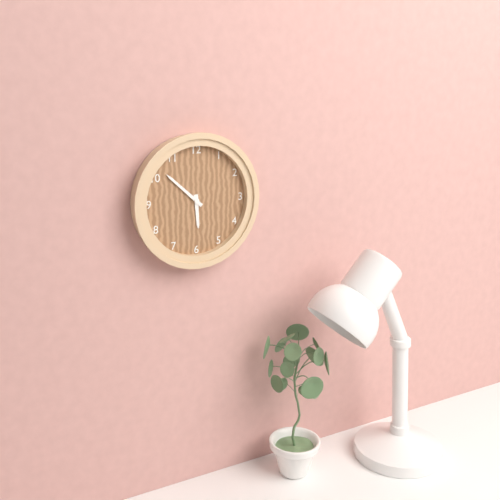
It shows 5:52
